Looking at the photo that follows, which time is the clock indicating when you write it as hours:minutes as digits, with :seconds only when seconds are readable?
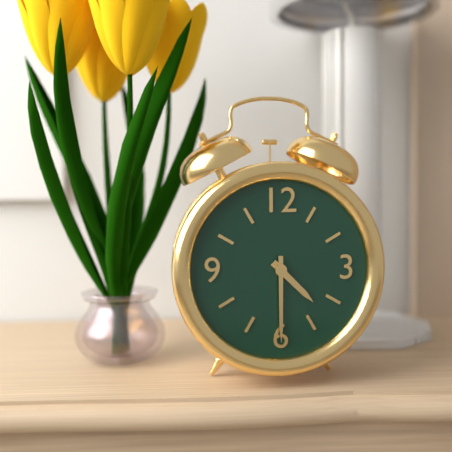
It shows 4:30
